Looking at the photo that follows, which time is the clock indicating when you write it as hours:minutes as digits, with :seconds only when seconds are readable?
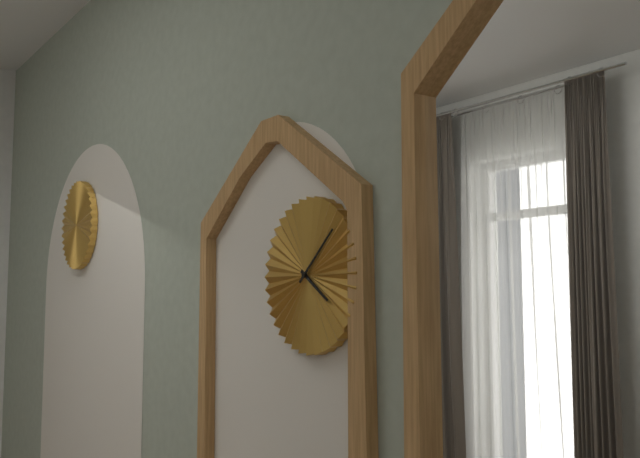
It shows 4:08
